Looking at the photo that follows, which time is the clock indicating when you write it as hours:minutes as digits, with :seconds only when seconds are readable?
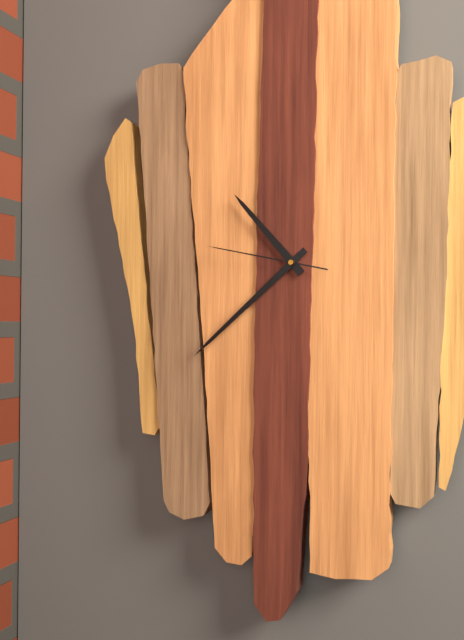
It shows 10:38:47
